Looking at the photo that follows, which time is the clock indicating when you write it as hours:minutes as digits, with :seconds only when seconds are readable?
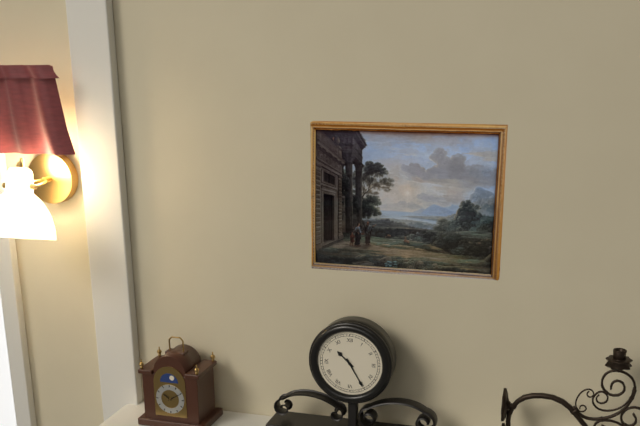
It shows 10:25
